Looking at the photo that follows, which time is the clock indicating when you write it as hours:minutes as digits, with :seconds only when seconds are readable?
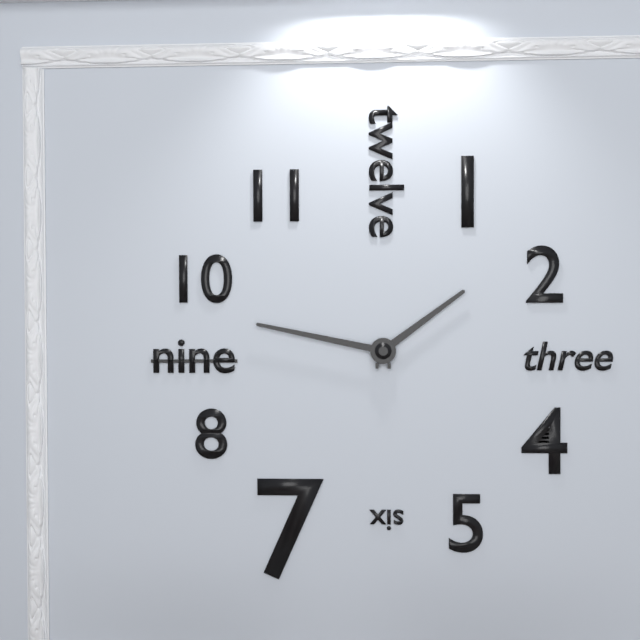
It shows 1:47
